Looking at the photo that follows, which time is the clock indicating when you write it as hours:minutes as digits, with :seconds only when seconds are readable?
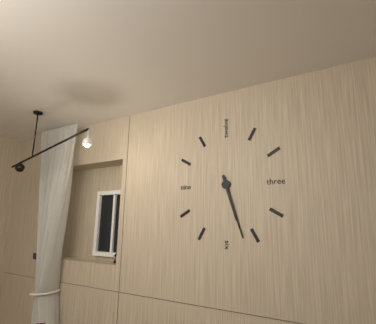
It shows 5:27
